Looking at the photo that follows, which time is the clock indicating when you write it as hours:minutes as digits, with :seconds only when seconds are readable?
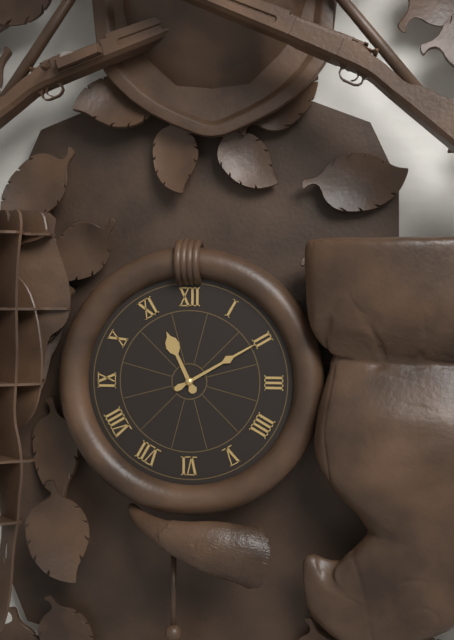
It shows 11:10
